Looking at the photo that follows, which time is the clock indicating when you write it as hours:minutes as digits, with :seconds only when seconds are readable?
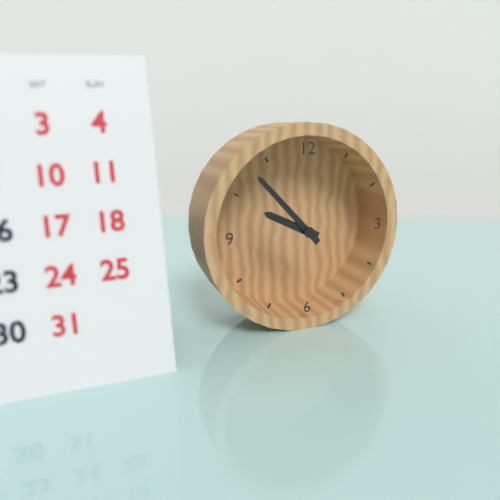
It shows 9:53
